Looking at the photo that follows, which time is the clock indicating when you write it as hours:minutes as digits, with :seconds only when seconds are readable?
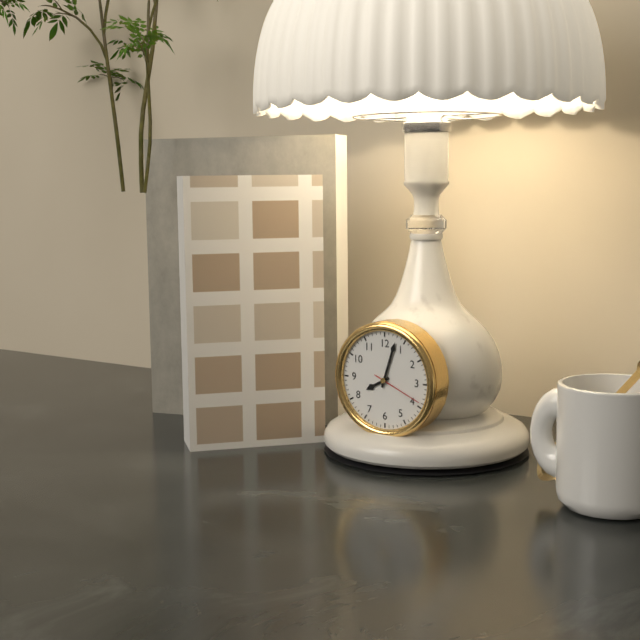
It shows 8:03:19
